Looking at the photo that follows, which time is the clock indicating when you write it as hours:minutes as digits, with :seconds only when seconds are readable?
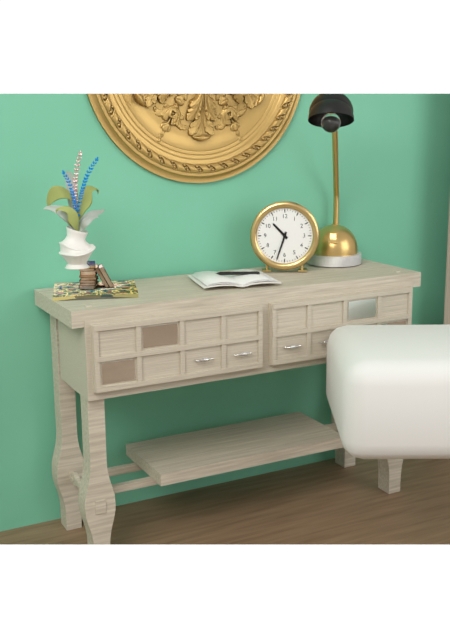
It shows 10:33
